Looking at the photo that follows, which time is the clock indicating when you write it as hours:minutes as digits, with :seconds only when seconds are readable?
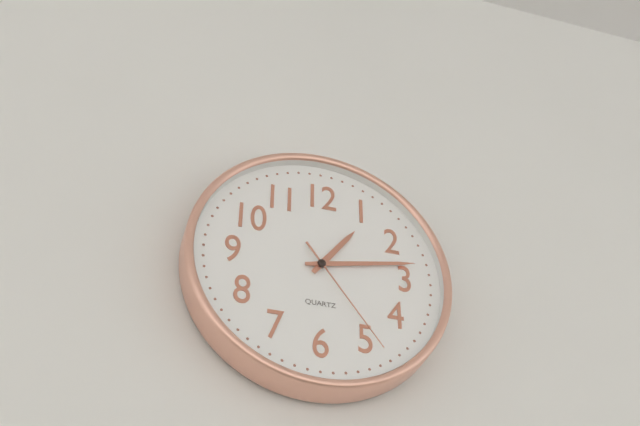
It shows 1:13:24
